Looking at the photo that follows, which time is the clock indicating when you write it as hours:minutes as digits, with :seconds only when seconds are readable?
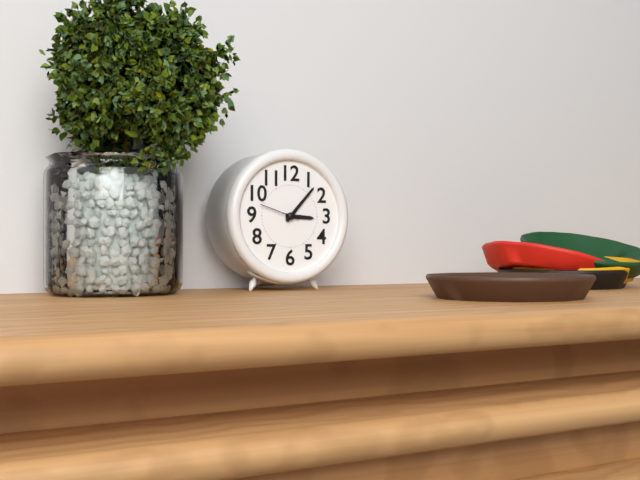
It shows 3:07
